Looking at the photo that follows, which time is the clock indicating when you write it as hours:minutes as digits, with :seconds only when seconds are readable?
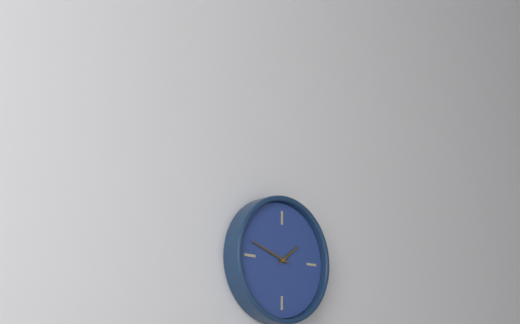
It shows 1:48
